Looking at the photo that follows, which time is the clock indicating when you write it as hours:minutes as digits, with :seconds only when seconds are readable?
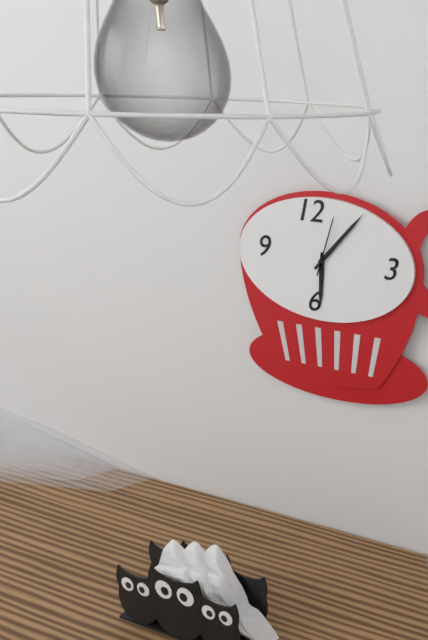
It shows 6:07:03
